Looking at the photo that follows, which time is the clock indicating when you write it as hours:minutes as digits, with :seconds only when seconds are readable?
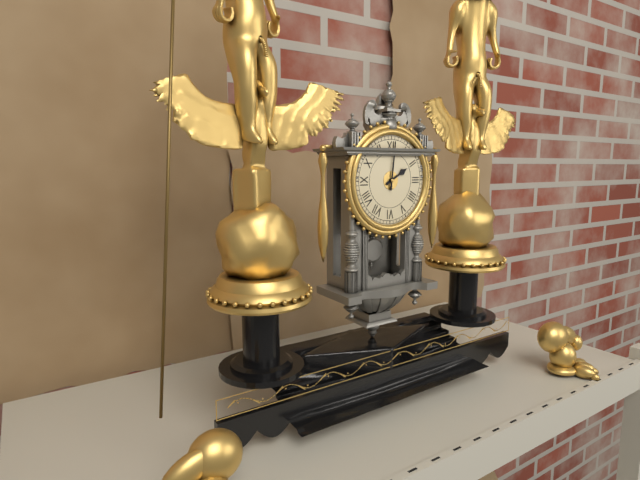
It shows 2:01
